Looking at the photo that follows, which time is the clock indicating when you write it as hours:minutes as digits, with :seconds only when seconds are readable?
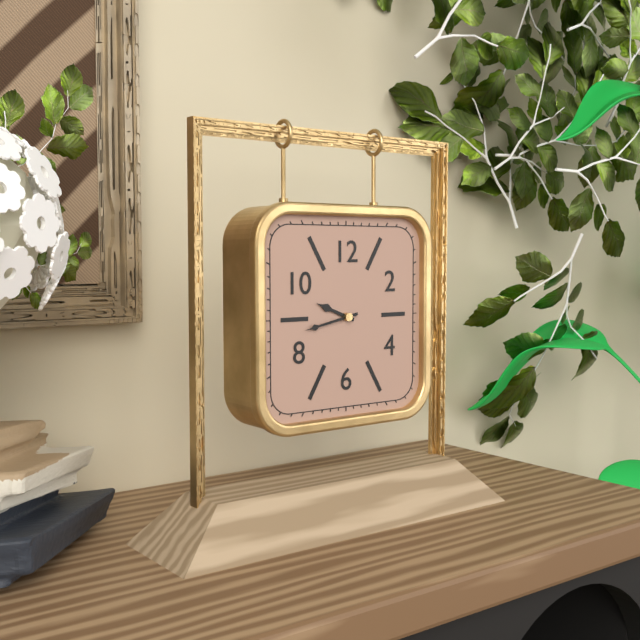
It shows 9:43
